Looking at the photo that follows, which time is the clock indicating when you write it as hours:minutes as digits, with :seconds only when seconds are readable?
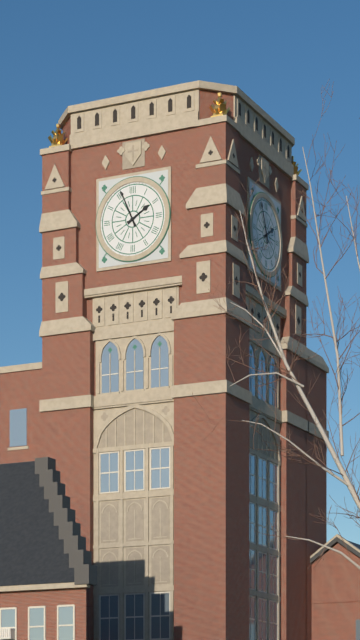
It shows 1:56
